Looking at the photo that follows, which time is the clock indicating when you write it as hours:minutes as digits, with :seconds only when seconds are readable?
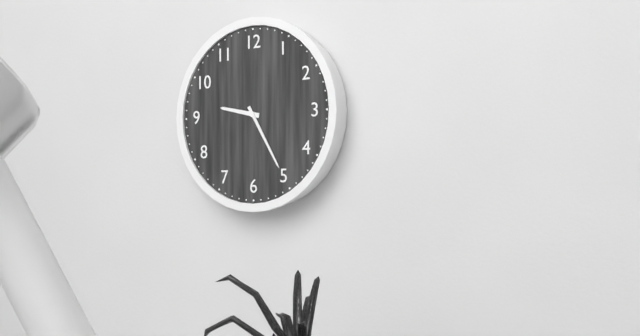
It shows 9:25
